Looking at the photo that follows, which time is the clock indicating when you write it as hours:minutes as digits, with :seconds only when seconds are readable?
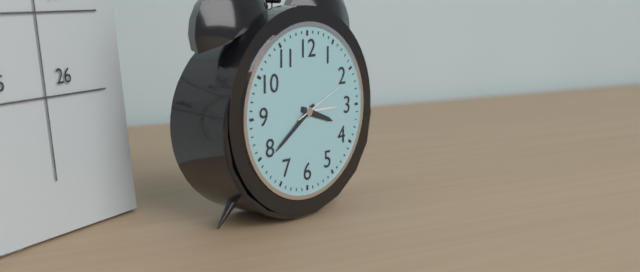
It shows 3:39:11
